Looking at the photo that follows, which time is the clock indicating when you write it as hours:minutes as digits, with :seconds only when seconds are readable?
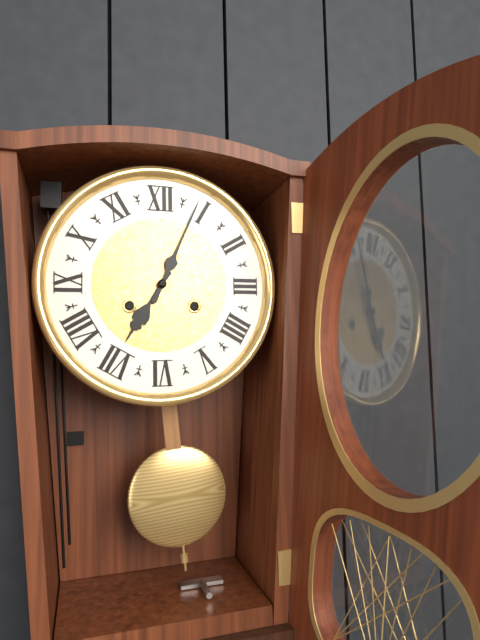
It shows 7:04
